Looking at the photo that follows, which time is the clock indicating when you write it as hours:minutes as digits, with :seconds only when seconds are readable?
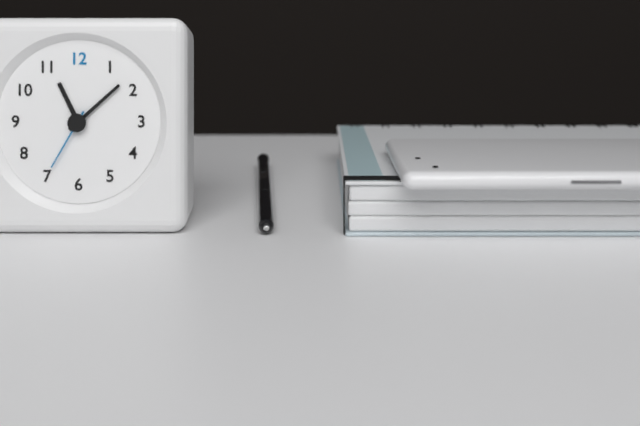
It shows 11:08:35
